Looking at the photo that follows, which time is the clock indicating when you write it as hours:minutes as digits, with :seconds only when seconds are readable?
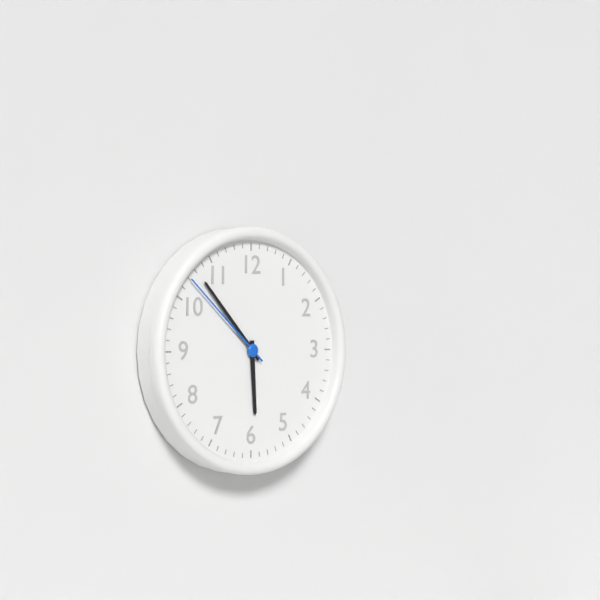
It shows 5:53:52
